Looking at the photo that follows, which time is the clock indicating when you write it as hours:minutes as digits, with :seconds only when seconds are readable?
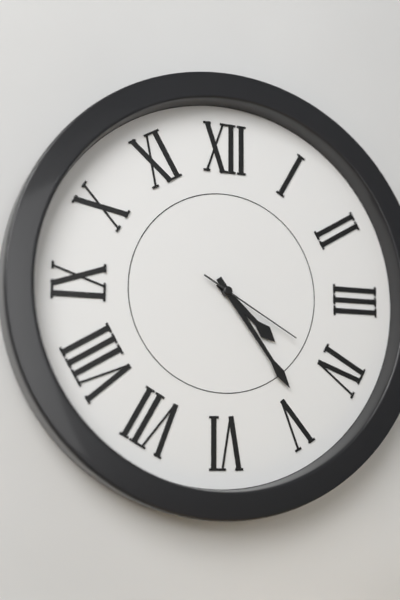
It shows 4:24:20
